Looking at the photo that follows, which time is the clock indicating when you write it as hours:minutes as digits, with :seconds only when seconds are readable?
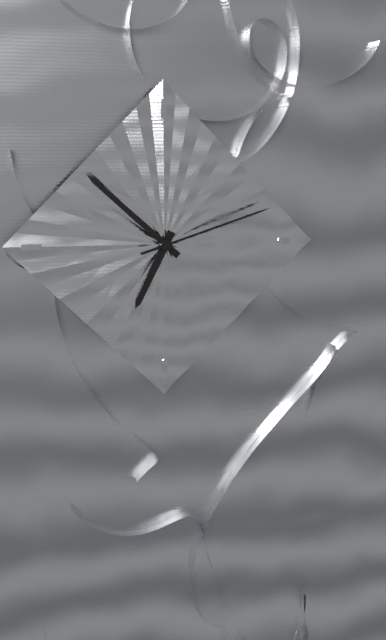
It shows 6:52:12
